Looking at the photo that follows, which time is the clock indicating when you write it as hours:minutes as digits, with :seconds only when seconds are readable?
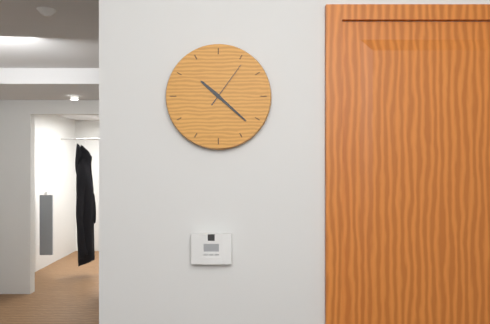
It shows 10:22
